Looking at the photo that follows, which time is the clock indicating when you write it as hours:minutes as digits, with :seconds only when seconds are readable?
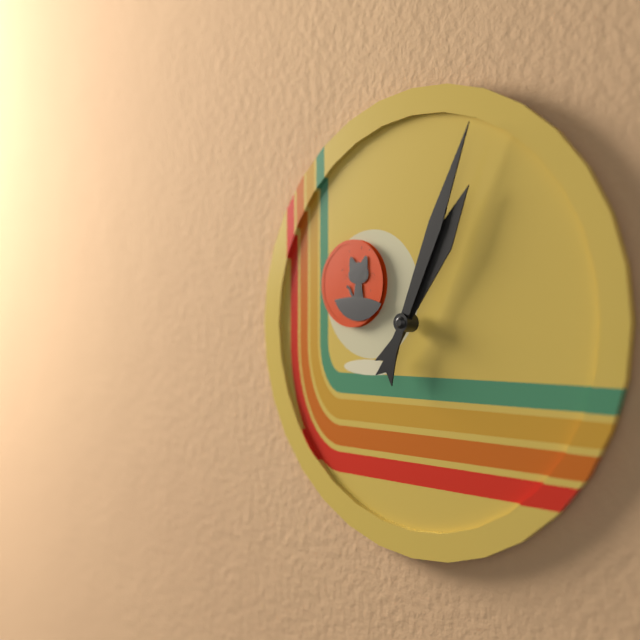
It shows 1:04
